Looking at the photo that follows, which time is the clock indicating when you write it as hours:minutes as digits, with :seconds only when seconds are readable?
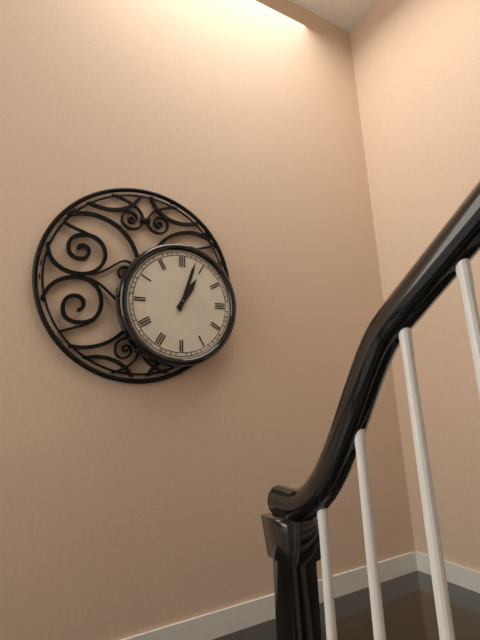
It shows 1:03
